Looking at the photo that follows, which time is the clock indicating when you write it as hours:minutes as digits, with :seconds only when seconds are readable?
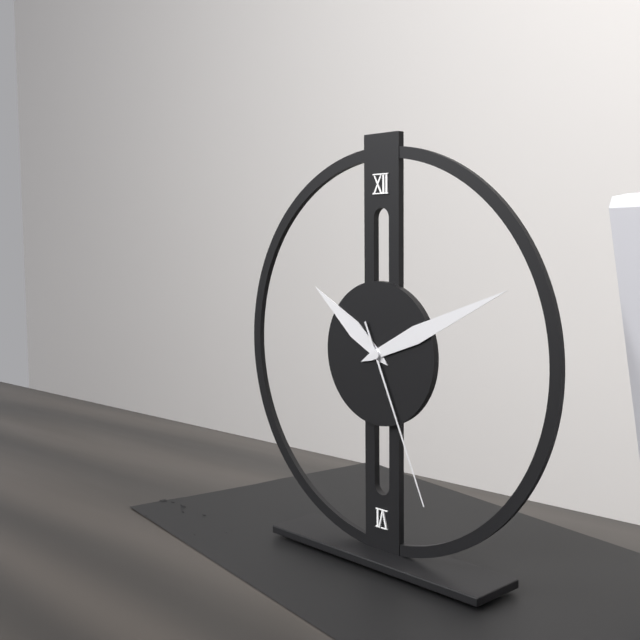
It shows 10:11:26
